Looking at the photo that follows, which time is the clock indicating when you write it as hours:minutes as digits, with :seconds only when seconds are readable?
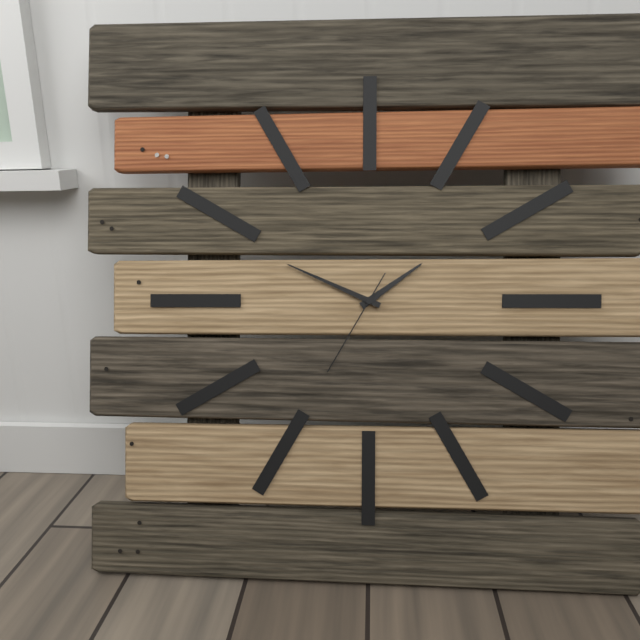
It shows 1:49:35
